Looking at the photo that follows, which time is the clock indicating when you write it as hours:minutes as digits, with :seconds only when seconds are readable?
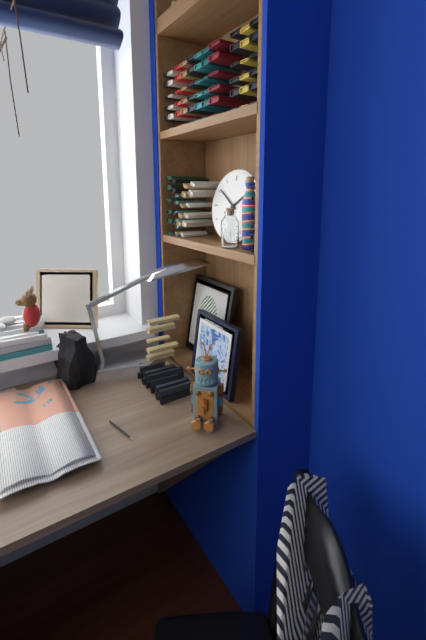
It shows 1:51
